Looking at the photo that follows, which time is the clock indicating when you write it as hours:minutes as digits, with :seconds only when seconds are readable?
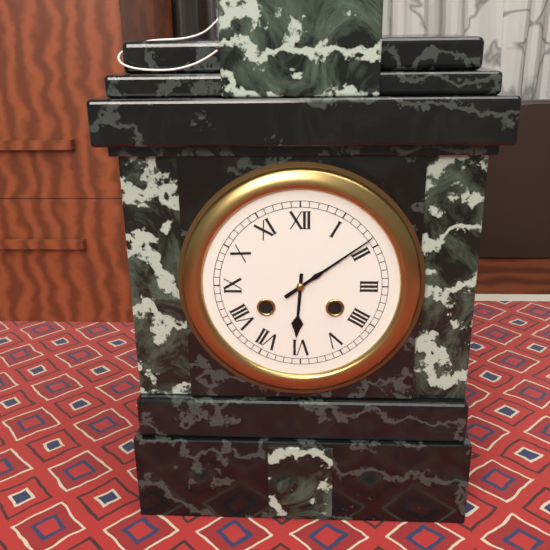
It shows 6:09
